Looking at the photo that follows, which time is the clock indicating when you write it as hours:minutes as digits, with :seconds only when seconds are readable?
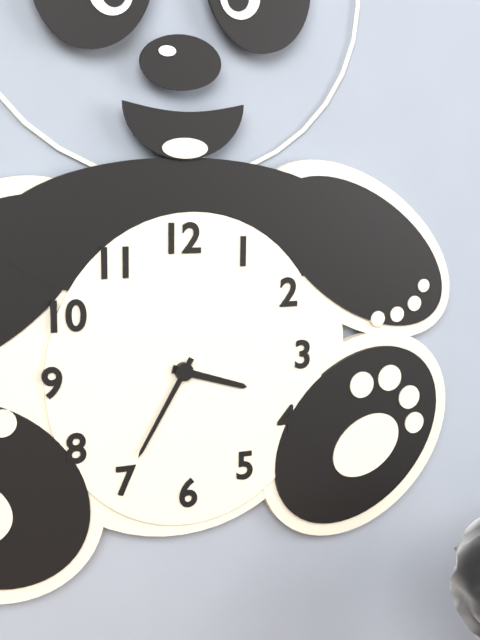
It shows 3:35
